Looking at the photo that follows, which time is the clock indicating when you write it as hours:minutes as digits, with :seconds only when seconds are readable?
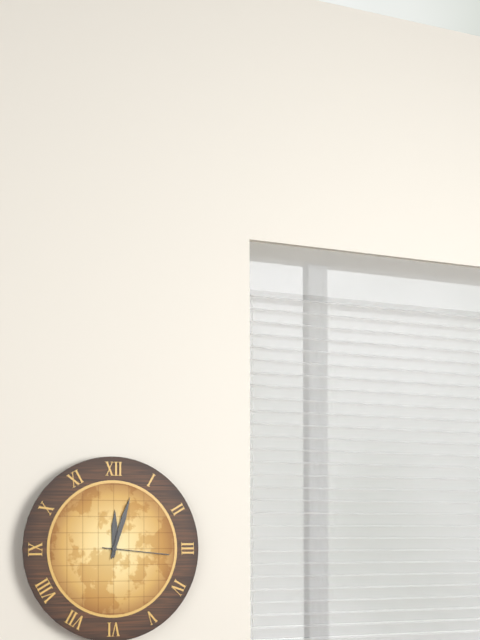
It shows 12:03:16
